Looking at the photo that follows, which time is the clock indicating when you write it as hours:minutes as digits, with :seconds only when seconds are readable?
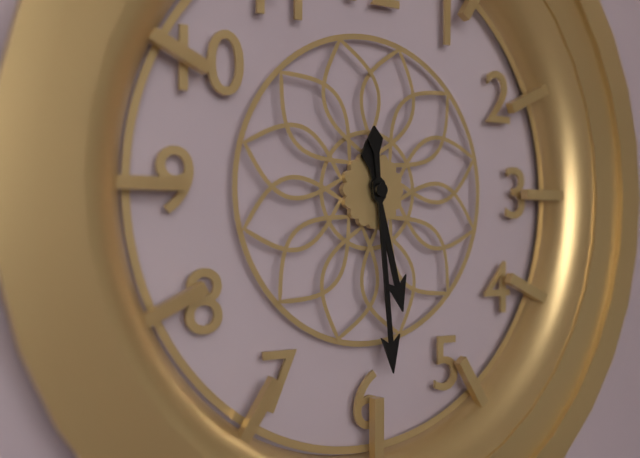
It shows 5:29
